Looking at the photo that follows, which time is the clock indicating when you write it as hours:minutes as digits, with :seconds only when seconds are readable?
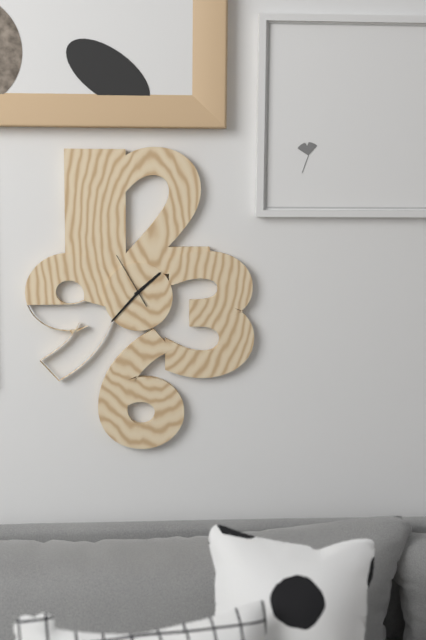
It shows 1:37:55
